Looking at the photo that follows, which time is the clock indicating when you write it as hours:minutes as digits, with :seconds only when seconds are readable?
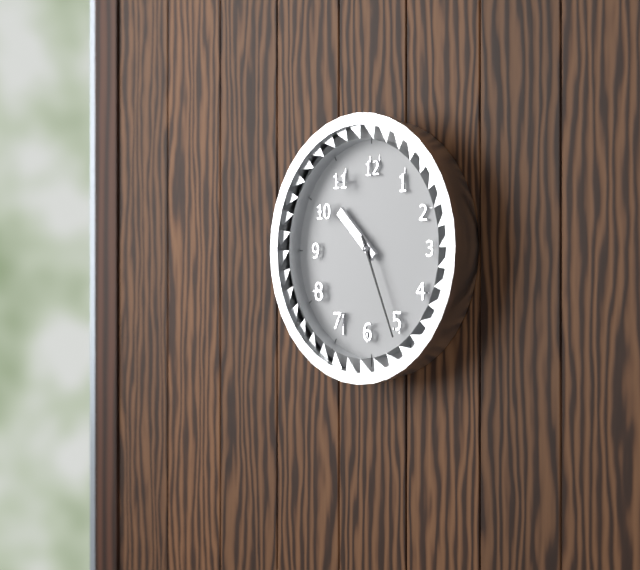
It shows 10:26
